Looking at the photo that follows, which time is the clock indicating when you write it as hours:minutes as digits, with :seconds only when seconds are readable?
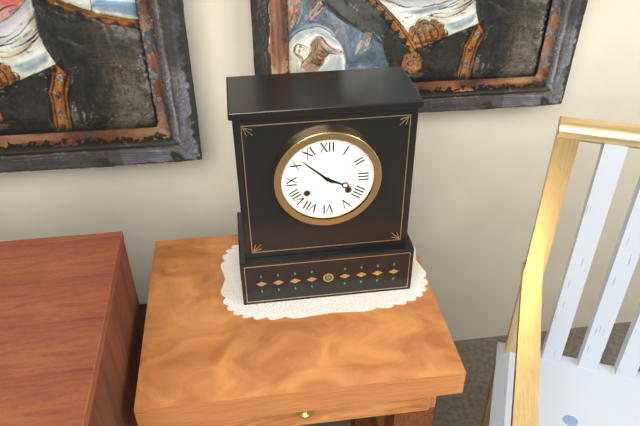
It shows 3:52
